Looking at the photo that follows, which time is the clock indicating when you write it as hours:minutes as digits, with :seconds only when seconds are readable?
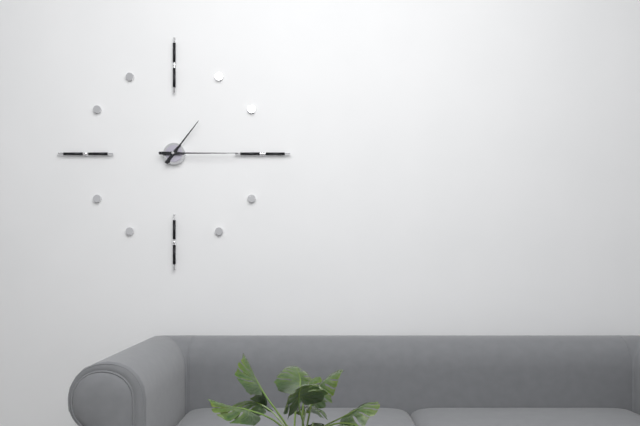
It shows 1:15
